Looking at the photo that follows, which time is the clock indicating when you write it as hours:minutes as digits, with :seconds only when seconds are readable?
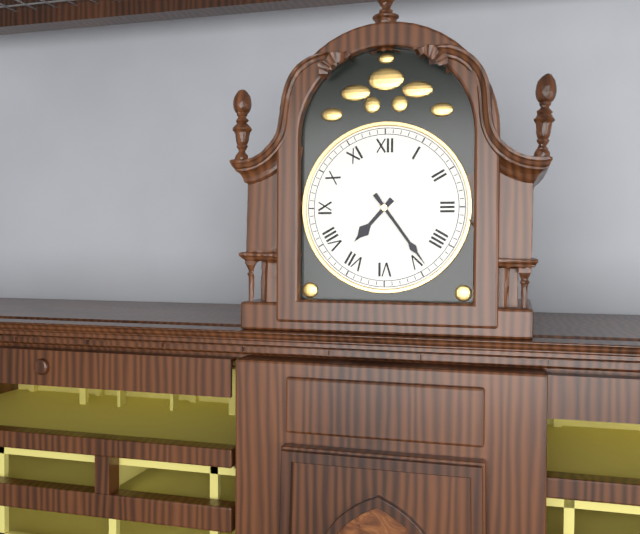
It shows 7:24
